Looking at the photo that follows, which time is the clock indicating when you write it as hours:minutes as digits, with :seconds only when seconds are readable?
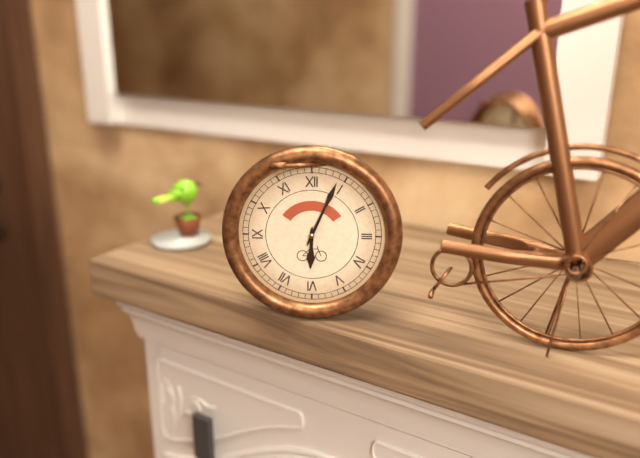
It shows 6:04
